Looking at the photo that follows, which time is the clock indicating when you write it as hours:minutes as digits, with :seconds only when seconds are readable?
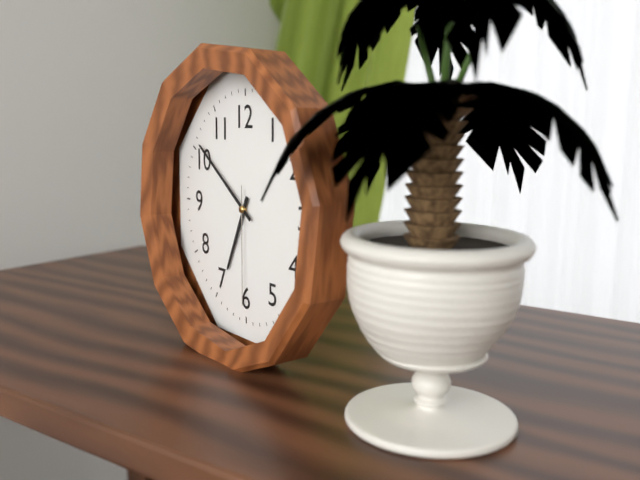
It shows 6:51:30
